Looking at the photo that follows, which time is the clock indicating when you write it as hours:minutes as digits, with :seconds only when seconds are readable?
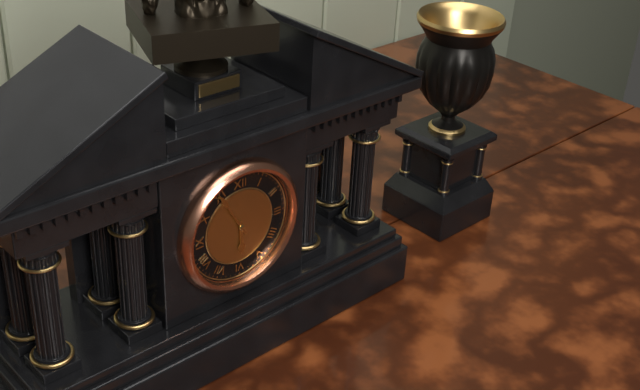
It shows 5:55
